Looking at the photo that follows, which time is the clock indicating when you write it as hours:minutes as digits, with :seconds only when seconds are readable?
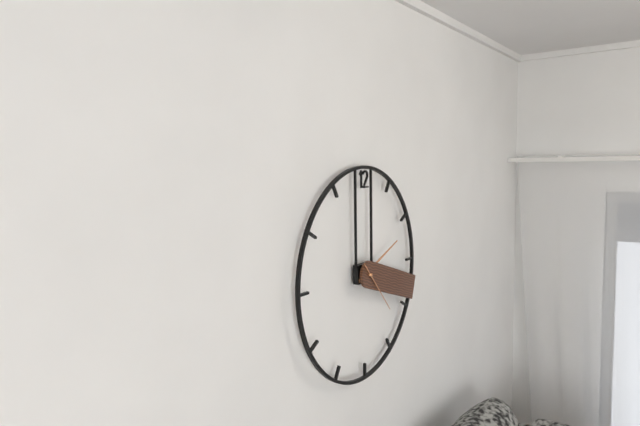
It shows 2:18:23
